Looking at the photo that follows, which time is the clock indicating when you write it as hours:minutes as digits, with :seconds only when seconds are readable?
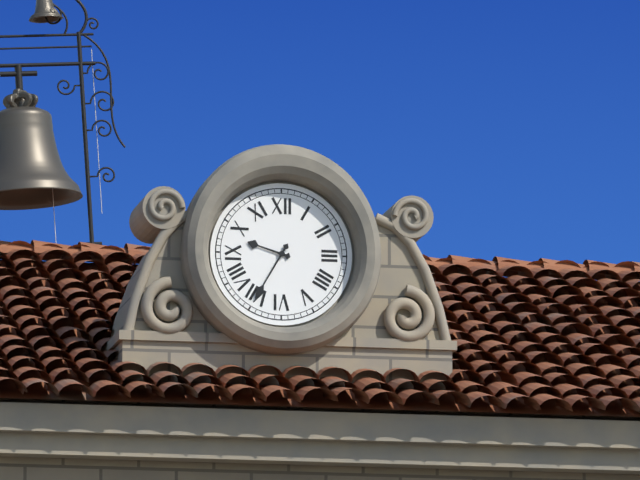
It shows 9:35
